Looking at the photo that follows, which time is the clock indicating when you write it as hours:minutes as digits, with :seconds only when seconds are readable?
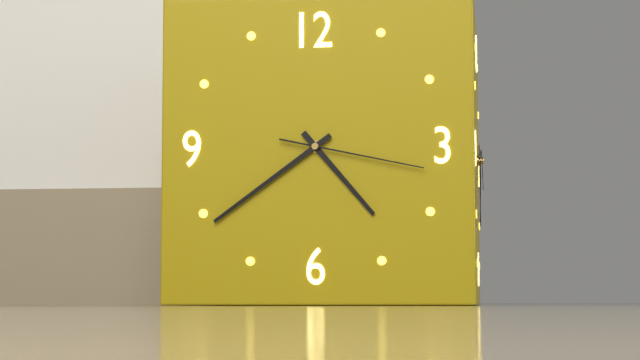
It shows 4:39:17
